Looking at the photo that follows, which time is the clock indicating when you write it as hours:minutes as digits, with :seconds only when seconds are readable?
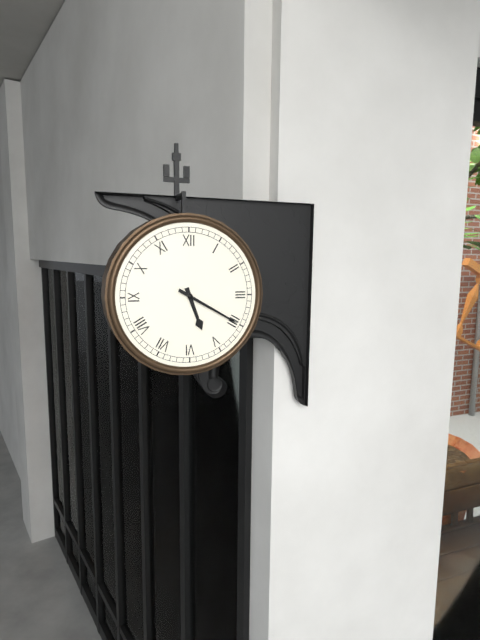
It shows 5:20
